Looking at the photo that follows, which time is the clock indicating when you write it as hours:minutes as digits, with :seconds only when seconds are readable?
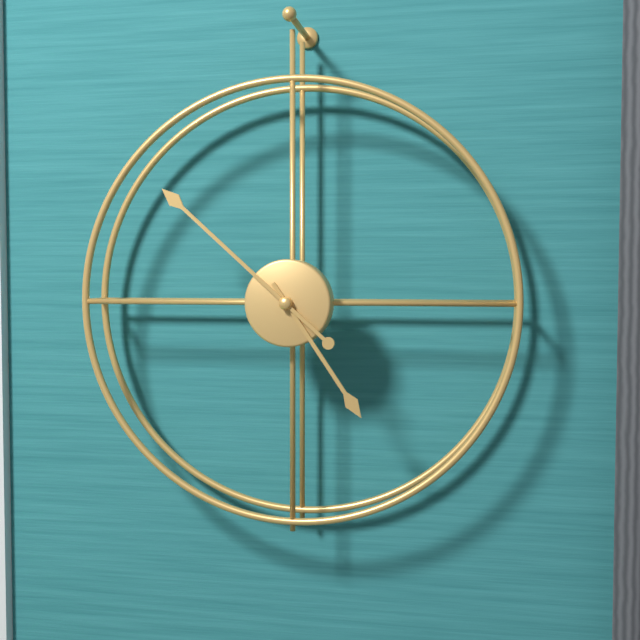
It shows 4:52
